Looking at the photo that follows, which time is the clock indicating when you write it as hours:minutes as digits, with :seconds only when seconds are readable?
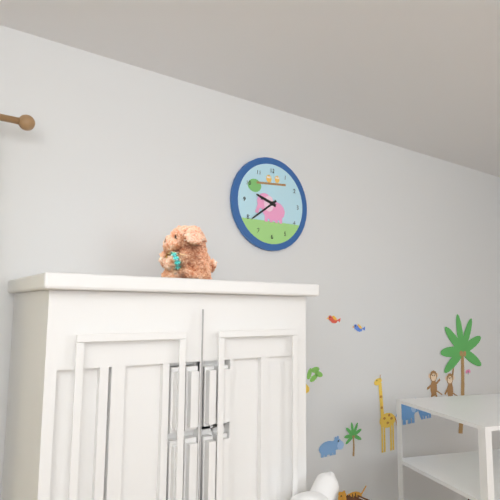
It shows 9:39
